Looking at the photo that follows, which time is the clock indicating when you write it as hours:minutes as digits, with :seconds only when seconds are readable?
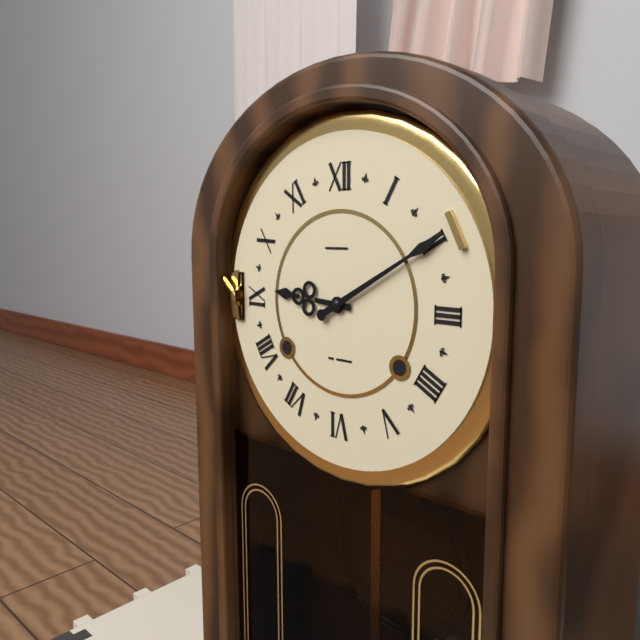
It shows 9:10
